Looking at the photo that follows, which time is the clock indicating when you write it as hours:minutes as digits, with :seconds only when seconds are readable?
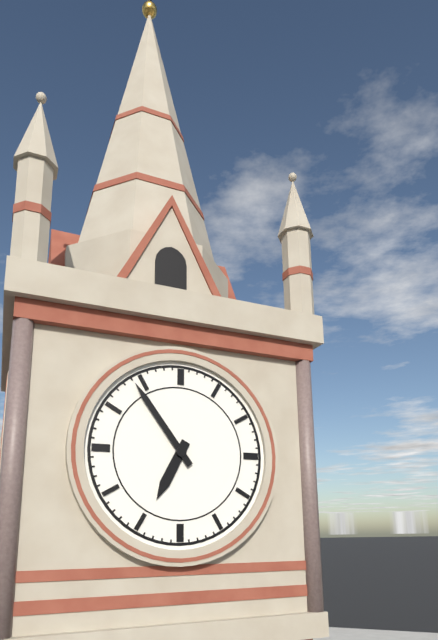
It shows 6:54
